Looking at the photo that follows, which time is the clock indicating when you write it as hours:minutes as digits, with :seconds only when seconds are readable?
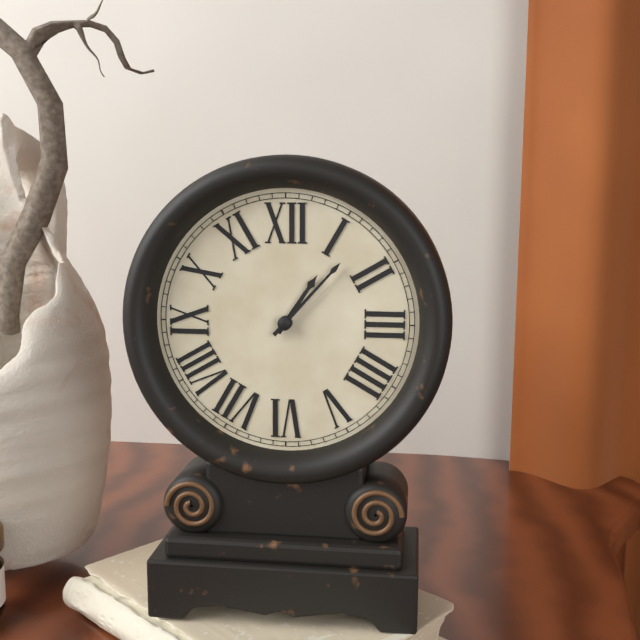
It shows 1:07
